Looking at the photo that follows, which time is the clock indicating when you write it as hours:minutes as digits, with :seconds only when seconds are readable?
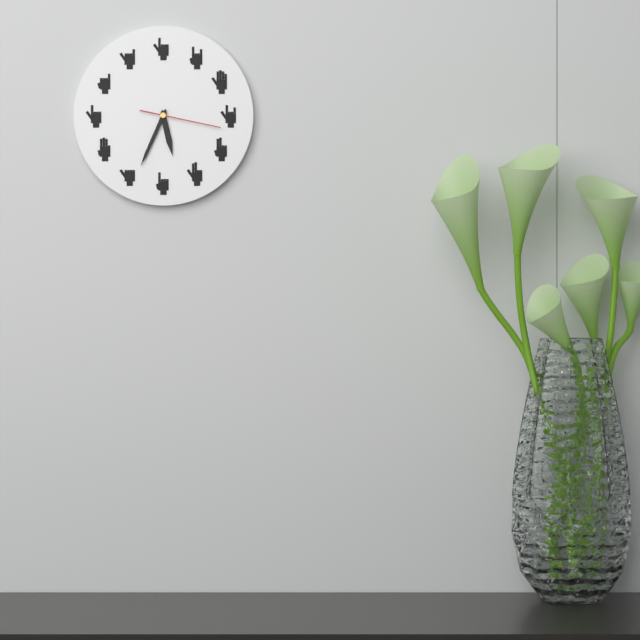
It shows 5:34:17
